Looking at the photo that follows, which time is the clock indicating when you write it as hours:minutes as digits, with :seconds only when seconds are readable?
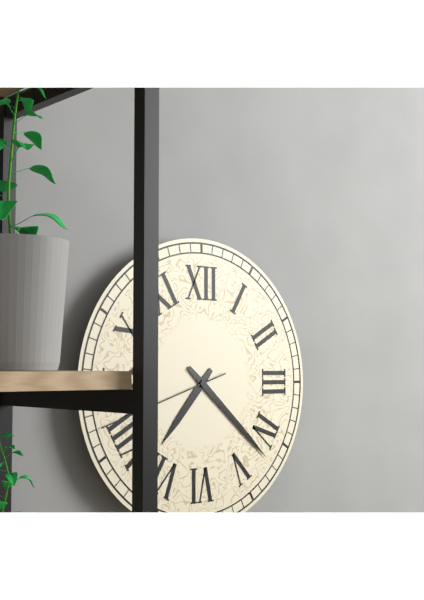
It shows 7:22:42
